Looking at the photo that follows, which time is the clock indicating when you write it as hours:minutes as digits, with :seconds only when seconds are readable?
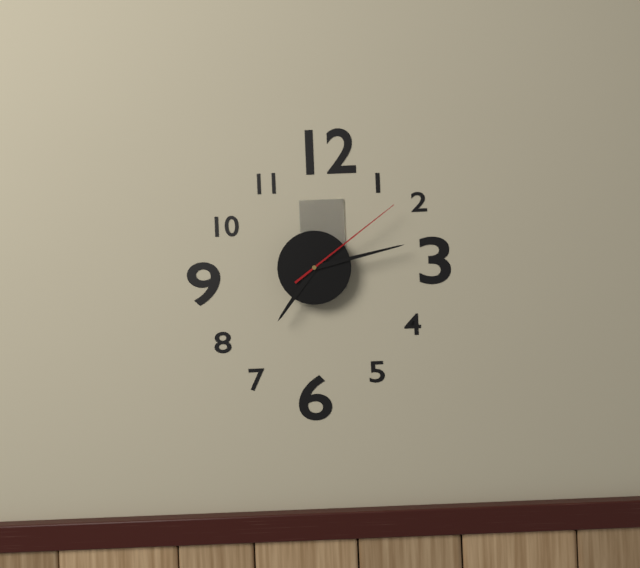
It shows 7:13:09
